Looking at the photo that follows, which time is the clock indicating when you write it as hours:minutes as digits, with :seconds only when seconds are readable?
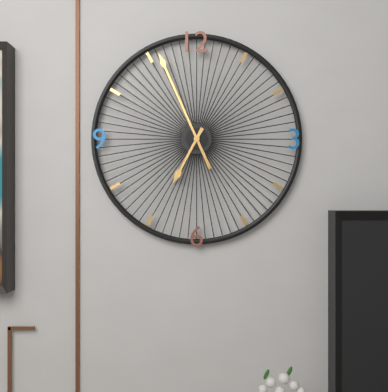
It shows 6:56
